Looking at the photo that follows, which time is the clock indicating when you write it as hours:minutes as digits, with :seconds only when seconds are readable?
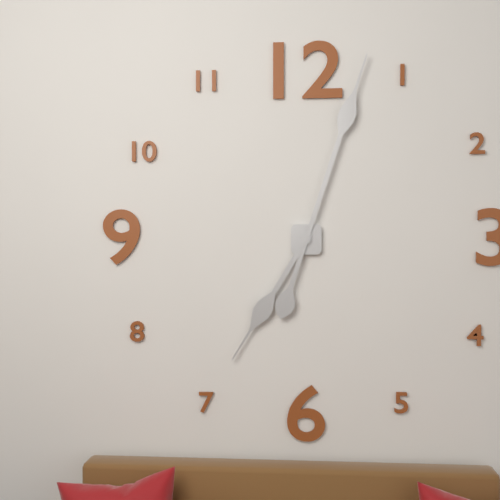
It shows 7:03
